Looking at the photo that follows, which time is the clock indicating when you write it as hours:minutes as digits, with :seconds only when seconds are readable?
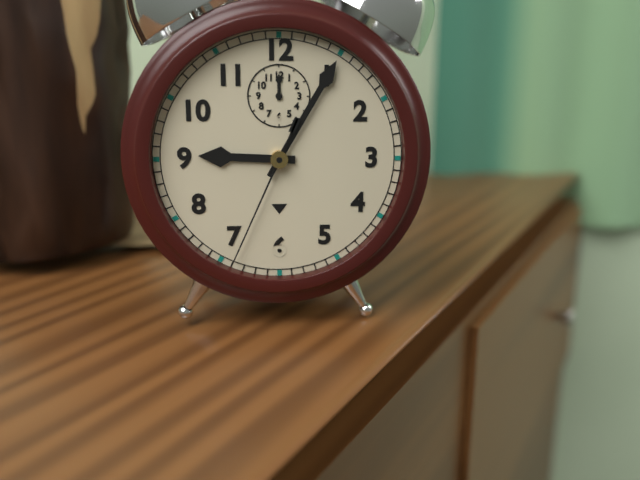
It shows 9:05:34
